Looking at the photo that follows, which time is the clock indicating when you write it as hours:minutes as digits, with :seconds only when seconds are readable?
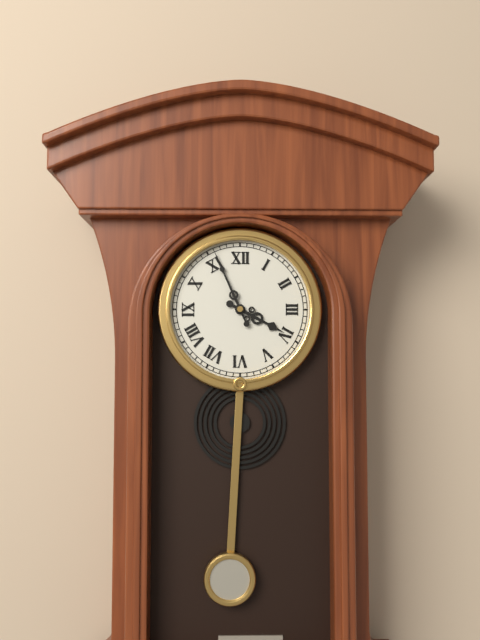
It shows 3:56
